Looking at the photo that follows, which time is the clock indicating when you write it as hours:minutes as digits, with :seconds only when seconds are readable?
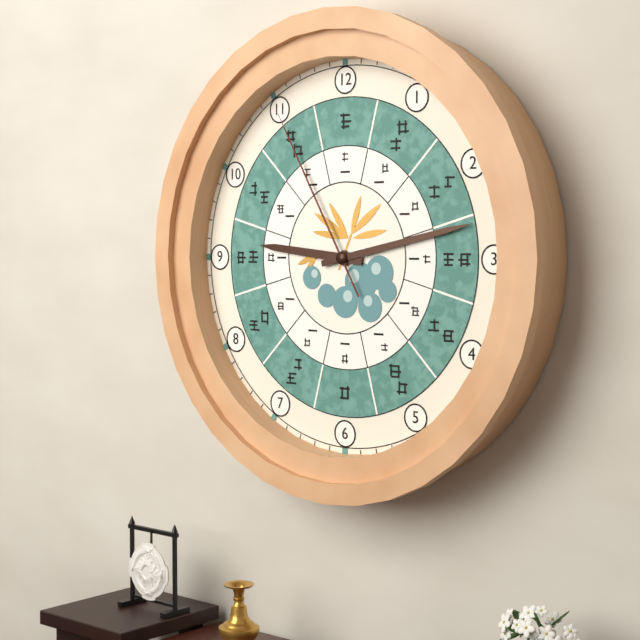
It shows 9:13:55
